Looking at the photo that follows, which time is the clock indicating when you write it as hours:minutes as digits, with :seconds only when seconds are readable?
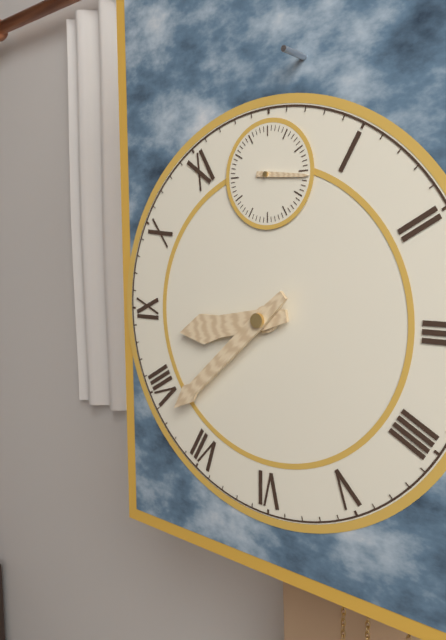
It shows 8:38:16
